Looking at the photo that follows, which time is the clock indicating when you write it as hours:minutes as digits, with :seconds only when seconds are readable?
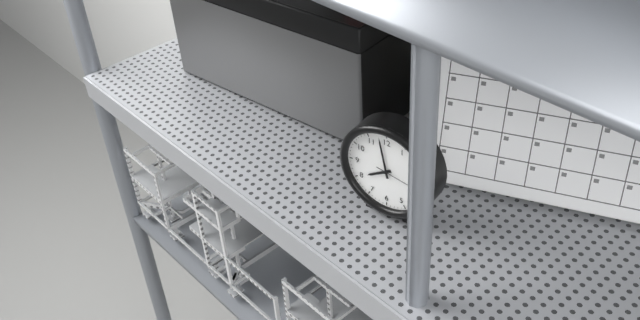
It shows 7:58
